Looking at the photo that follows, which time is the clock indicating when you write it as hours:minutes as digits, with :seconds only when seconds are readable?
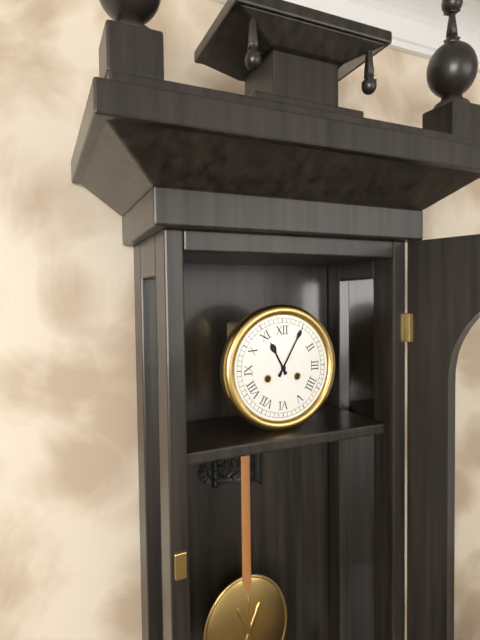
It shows 11:05
